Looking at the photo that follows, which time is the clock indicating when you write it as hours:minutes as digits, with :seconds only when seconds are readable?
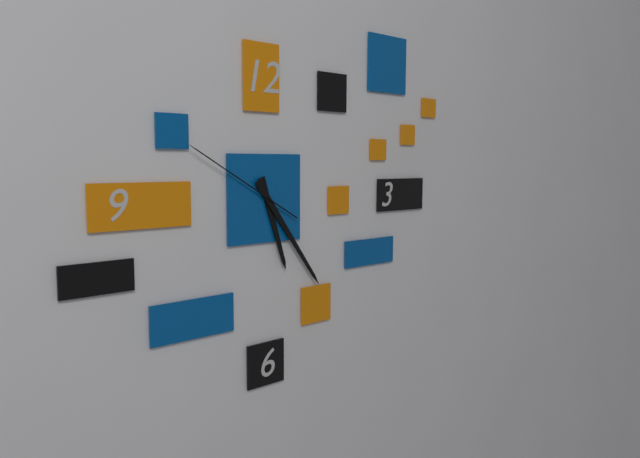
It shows 5:24:50
